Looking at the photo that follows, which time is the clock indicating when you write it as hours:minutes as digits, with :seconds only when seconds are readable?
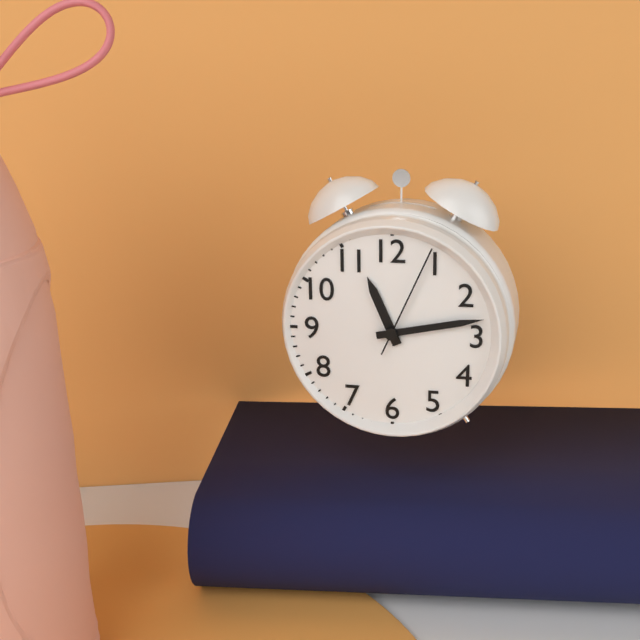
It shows 11:13:04
